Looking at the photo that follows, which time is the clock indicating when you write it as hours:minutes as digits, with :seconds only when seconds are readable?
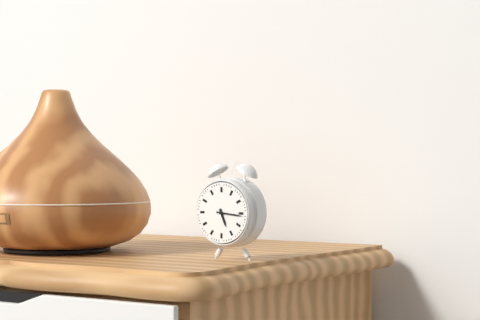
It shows 5:16
